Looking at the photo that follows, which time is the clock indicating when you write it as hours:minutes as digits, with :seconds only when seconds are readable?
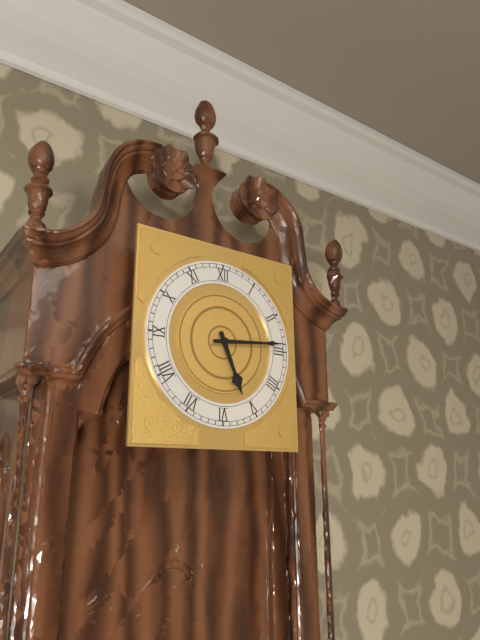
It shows 5:14
